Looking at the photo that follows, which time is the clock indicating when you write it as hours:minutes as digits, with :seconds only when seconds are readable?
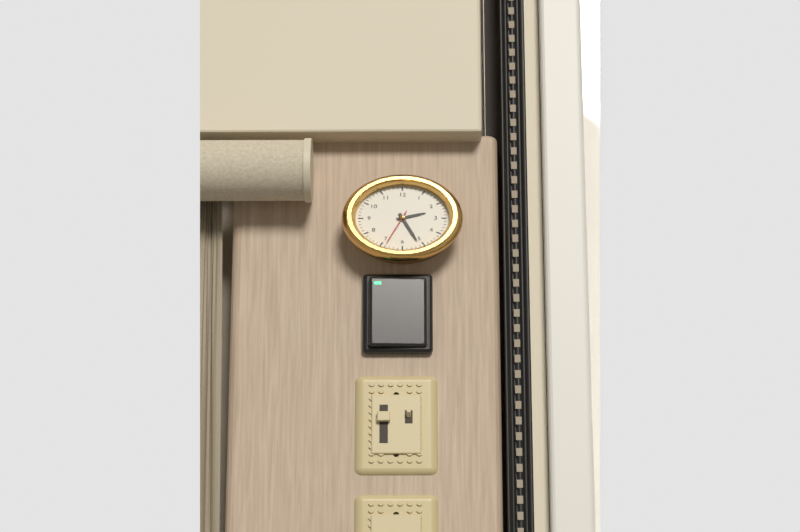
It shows 2:26
